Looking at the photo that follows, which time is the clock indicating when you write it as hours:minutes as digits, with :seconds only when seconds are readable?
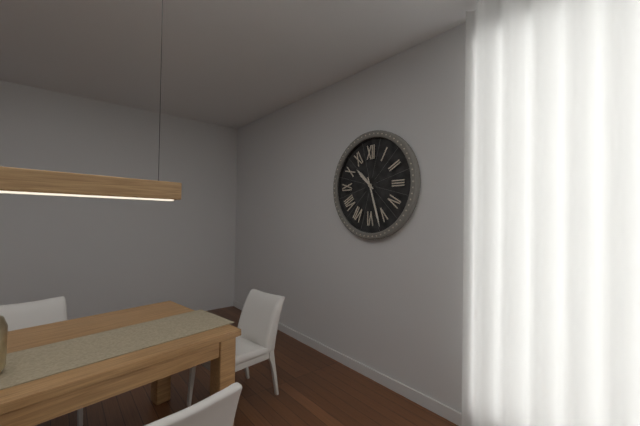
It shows 10:27
